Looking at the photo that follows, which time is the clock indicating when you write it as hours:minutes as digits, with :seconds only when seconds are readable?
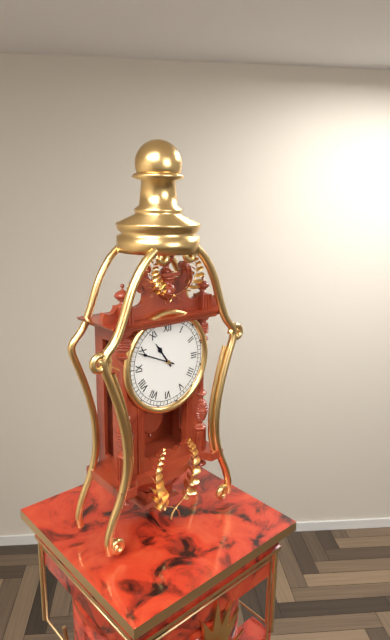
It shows 10:49
